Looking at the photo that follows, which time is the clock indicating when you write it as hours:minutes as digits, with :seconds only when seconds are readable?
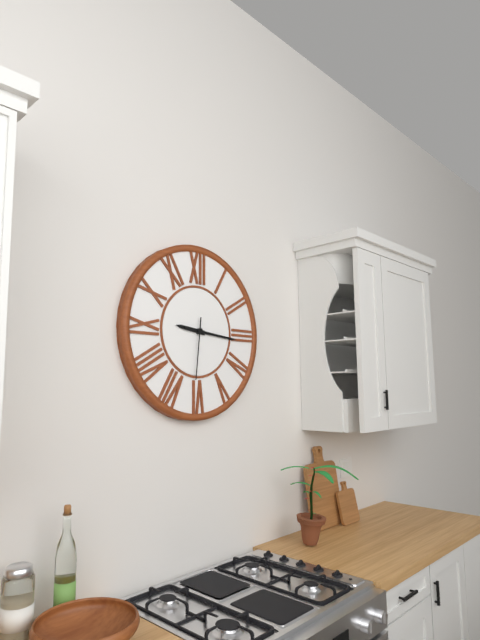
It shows 9:16:31
